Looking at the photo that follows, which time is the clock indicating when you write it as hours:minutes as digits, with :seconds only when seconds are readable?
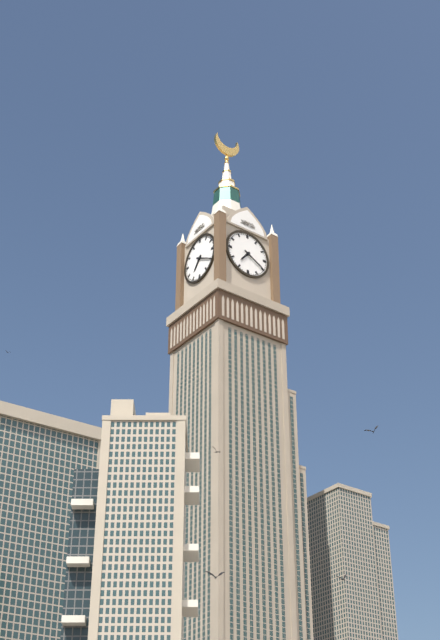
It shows 7:20
